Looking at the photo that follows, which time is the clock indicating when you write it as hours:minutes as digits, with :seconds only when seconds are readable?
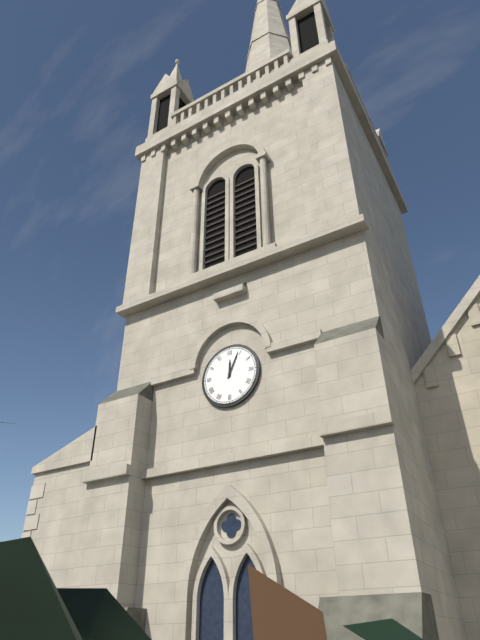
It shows 12:04
